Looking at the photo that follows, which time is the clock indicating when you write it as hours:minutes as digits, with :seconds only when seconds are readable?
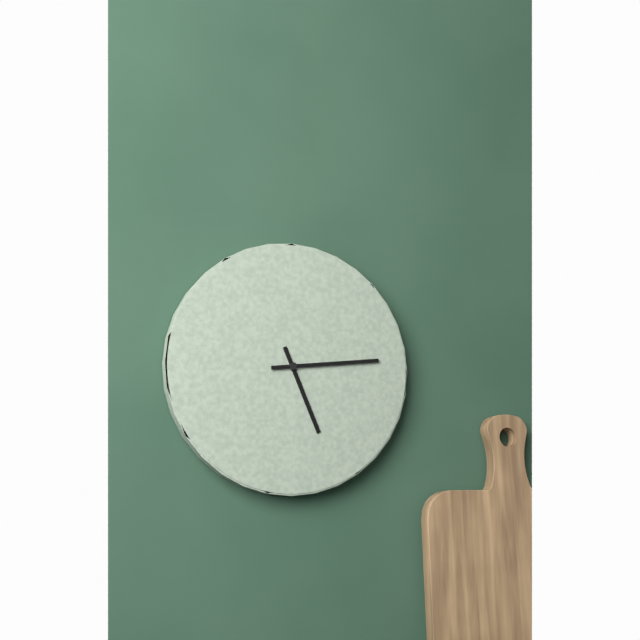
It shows 5:14
